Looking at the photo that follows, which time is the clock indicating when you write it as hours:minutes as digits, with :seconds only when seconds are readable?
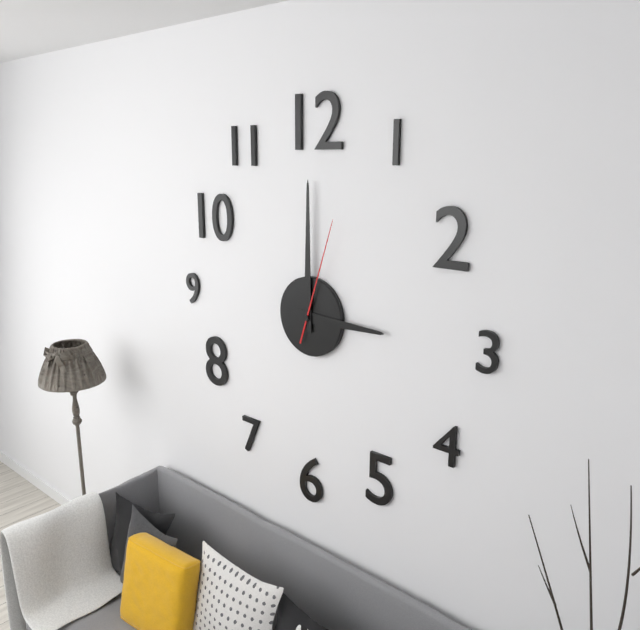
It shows 3:00:03
